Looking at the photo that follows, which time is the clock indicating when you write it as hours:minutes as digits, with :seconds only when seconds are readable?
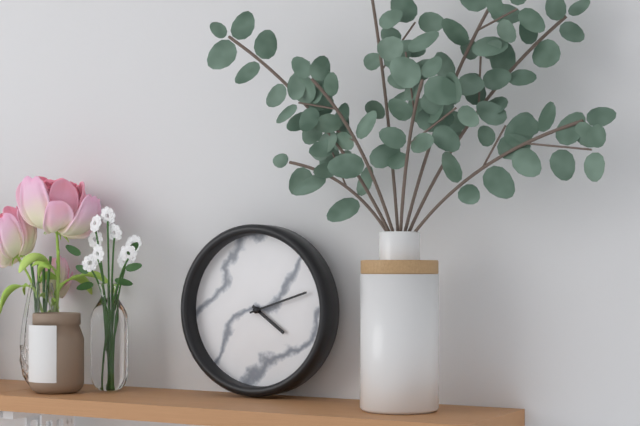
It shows 4:12
